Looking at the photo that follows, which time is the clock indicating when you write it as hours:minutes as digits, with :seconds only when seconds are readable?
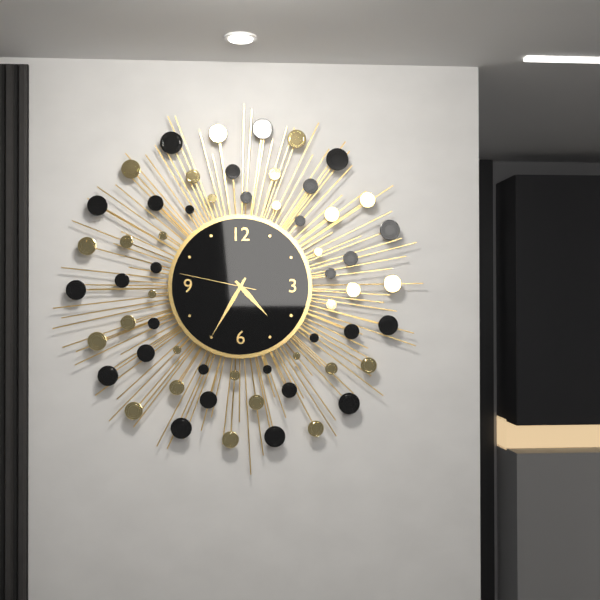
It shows 4:35:47
